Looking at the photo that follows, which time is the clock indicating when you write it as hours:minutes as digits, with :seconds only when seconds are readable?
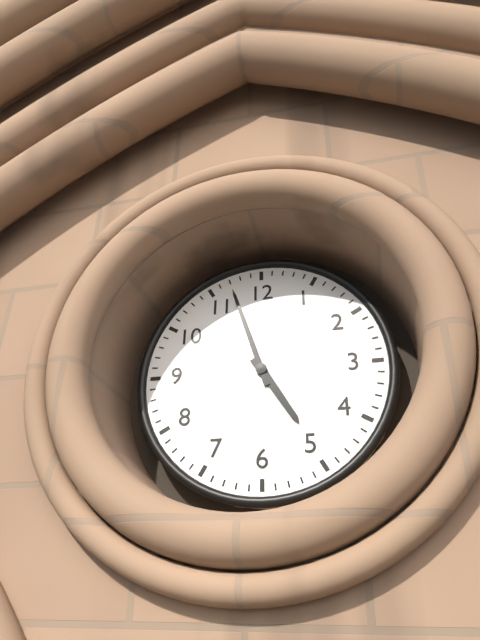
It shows 4:57
